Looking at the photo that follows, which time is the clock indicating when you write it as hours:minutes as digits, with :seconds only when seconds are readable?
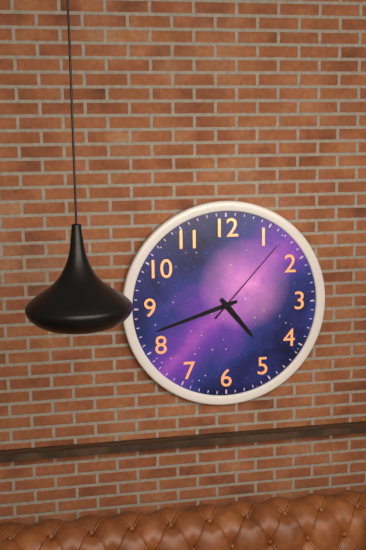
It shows 4:42:07
